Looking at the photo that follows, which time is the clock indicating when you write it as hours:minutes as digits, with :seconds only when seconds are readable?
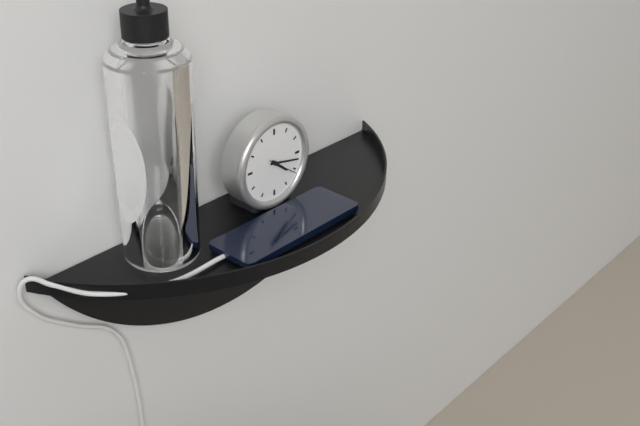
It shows 4:17
